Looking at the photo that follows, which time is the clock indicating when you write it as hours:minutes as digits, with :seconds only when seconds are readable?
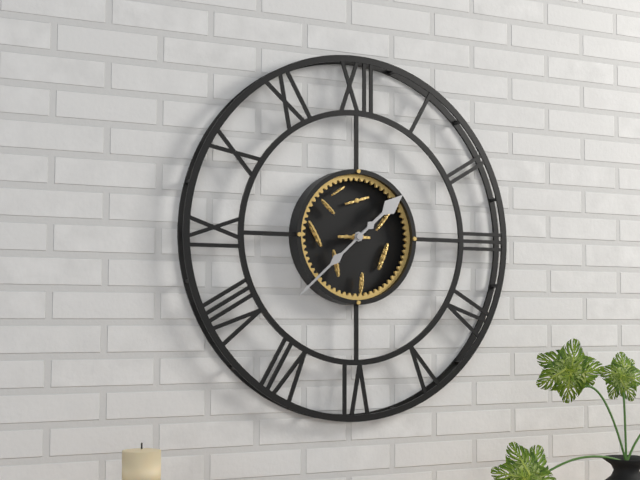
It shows 1:38
